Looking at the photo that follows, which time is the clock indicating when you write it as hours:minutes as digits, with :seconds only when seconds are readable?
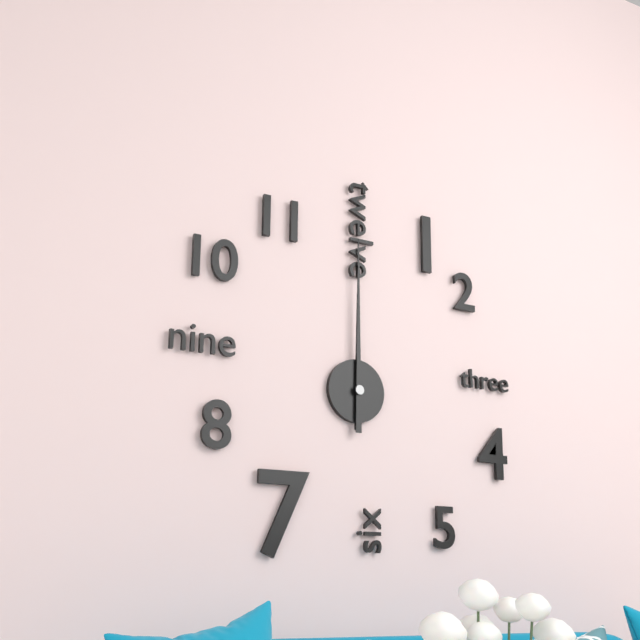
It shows 12:00
